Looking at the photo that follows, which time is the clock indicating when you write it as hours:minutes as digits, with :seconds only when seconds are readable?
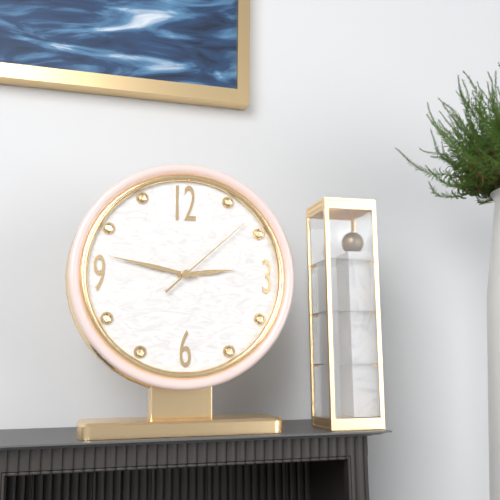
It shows 2:47:08
